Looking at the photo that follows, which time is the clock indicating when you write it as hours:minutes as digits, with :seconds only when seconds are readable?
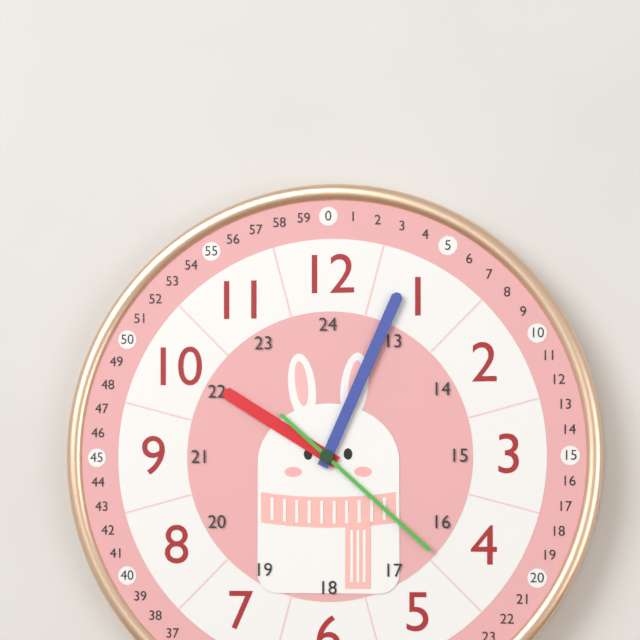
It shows 10:04:22
